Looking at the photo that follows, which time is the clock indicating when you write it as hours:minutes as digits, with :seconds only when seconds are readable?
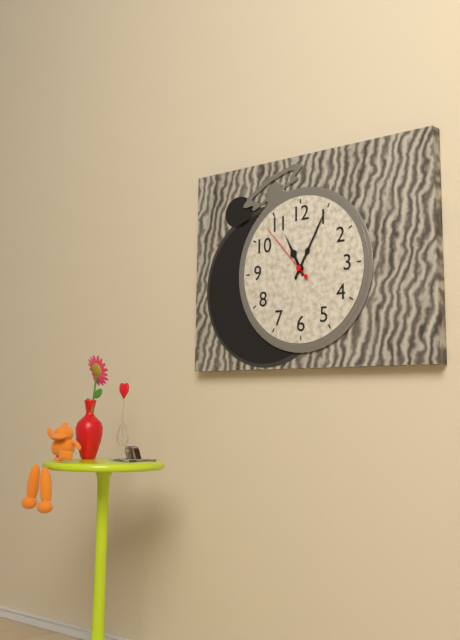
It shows 11:05:53
